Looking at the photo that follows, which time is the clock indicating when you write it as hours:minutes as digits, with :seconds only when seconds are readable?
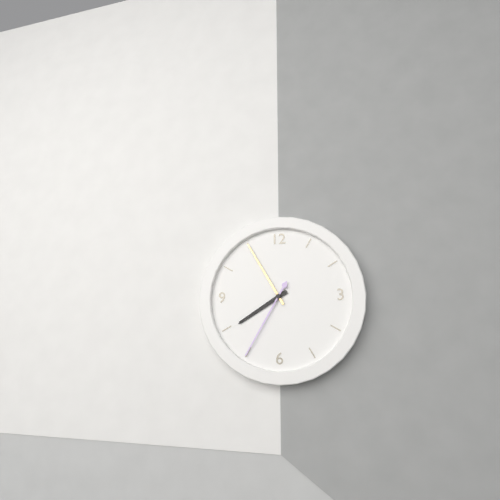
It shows 7:55:35
